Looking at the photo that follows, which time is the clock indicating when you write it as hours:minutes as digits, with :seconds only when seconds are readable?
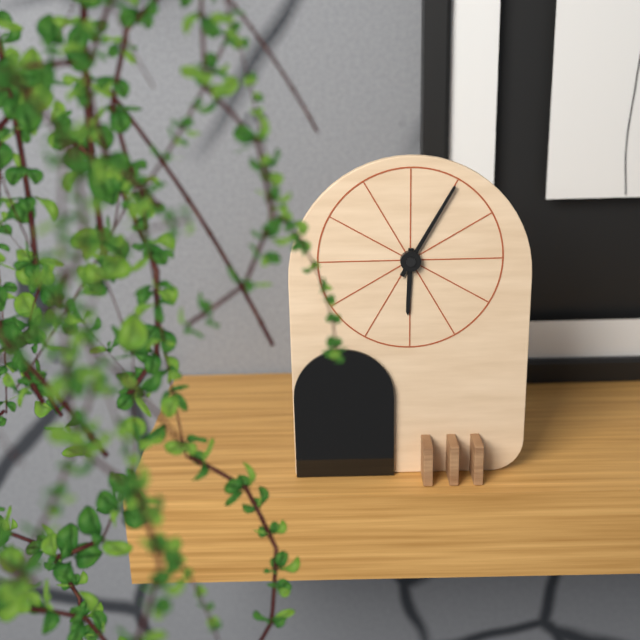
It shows 6:05
